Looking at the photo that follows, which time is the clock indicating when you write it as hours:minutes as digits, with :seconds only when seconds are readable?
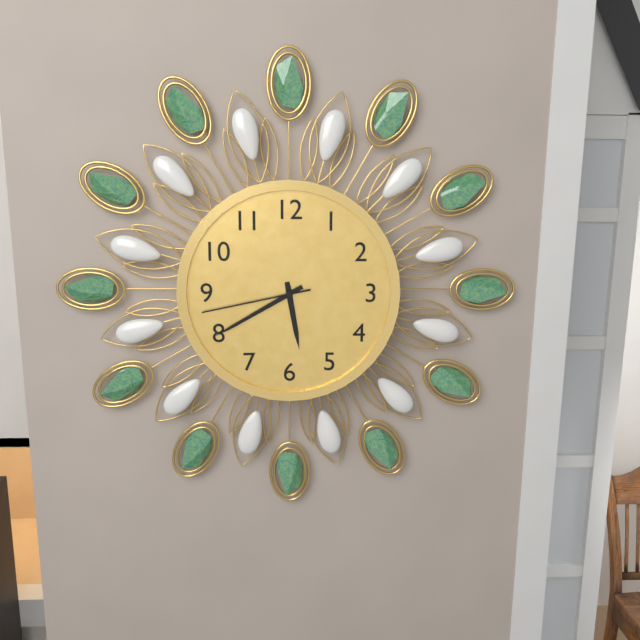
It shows 5:40:43
